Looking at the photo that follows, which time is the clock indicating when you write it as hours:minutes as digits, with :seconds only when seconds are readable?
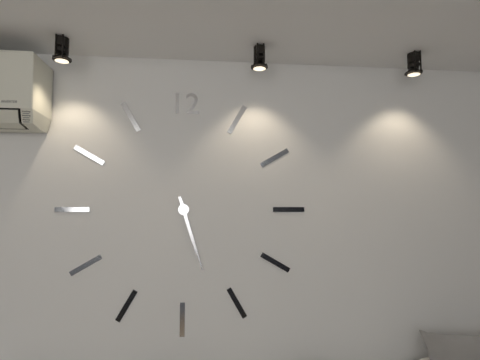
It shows 5:27
